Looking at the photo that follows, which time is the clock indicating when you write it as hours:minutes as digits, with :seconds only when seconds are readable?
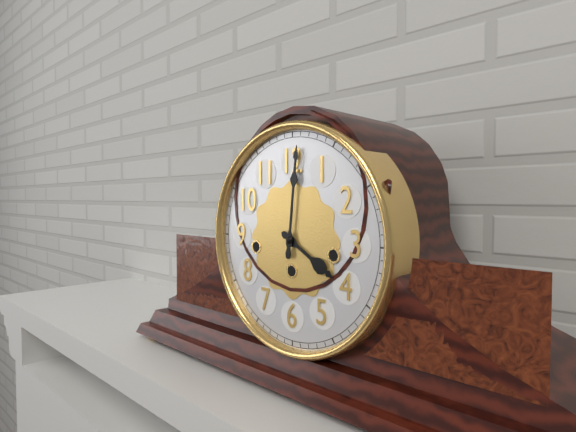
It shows 4:01
